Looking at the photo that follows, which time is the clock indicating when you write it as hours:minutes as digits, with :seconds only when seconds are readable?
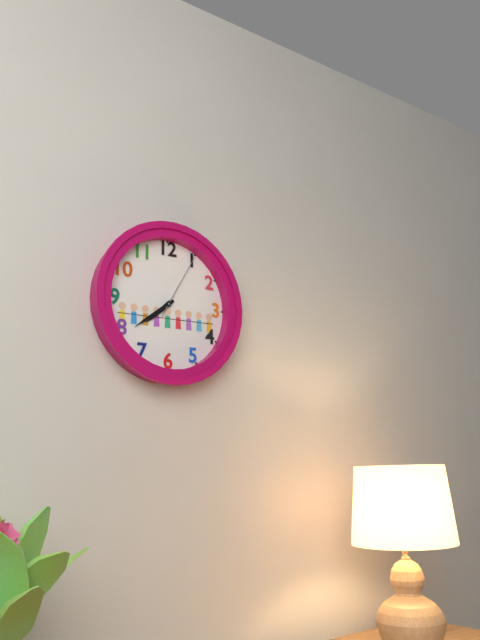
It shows 7:39:05
